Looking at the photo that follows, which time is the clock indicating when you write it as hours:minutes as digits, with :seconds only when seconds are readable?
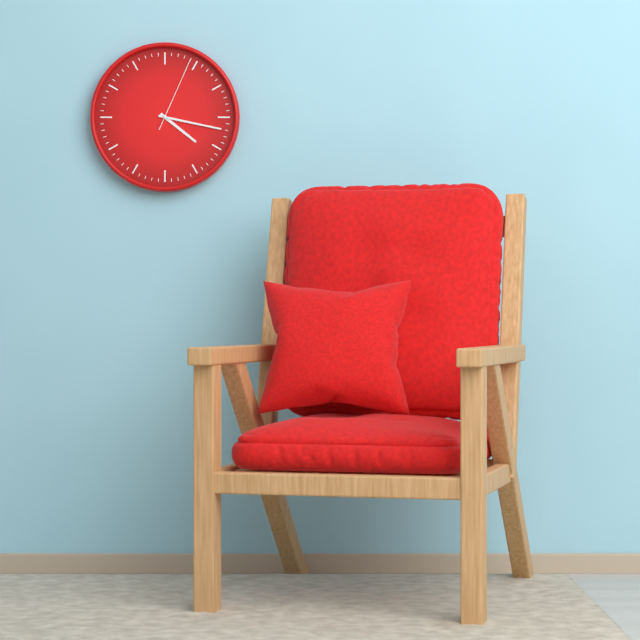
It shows 4:17:04
